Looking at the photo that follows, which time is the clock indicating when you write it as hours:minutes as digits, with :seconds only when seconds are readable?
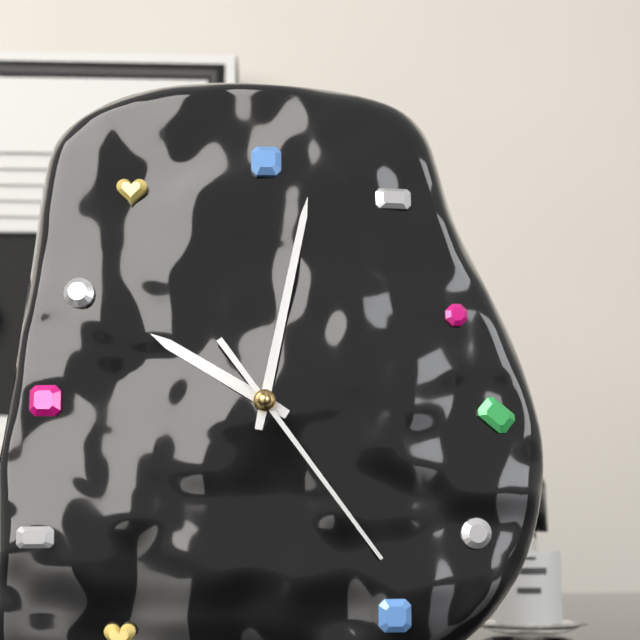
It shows 10:02:24
